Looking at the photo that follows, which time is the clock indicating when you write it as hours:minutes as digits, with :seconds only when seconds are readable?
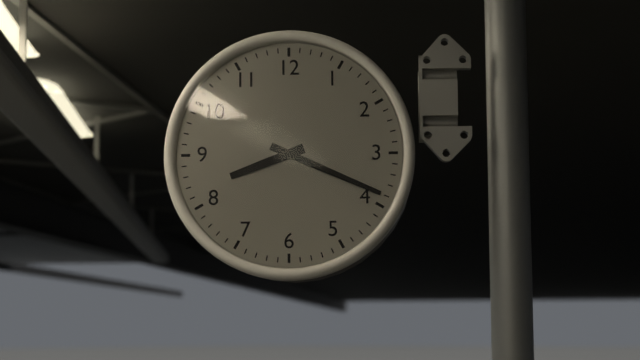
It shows 8:19
